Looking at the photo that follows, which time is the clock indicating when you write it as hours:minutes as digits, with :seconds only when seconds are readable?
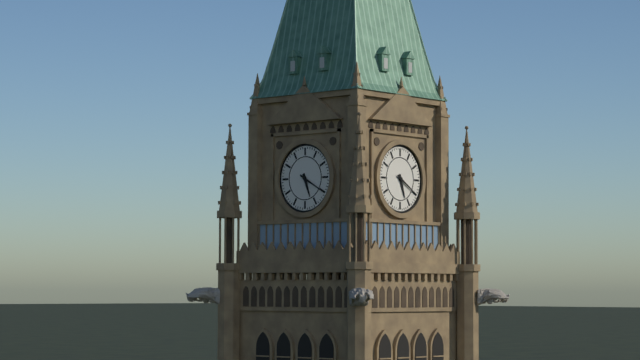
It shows 5:20
